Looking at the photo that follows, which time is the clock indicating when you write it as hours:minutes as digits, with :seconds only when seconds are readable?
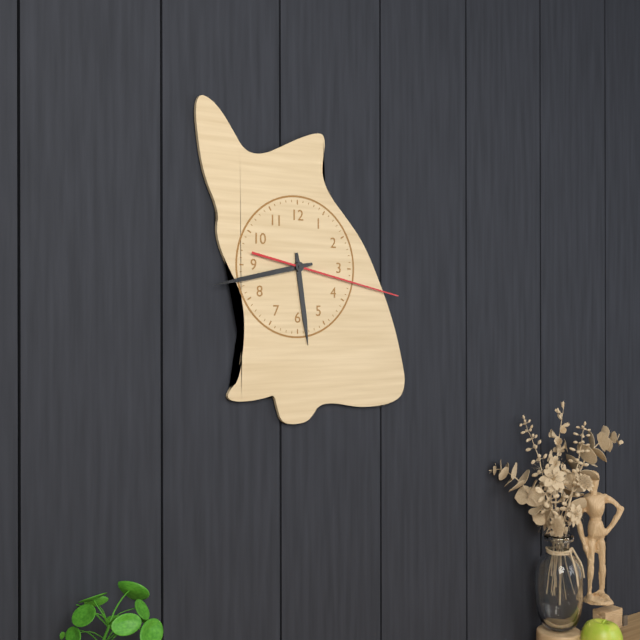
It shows 5:43:17
